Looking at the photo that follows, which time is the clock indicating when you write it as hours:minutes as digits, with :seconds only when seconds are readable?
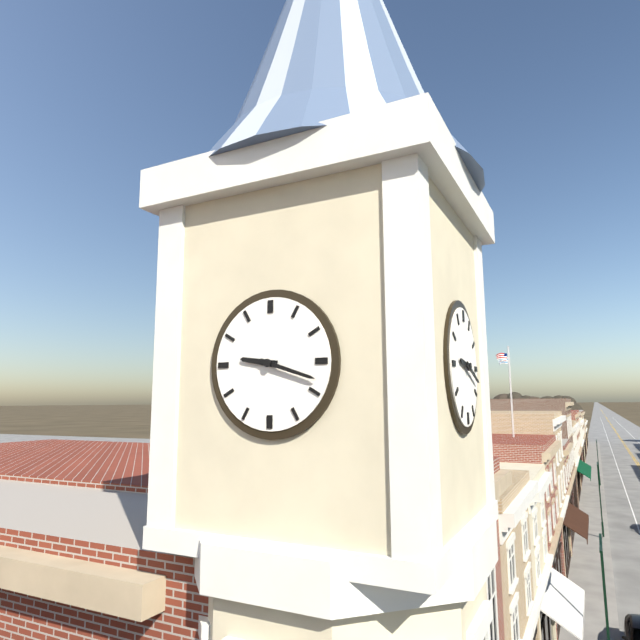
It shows 9:18
